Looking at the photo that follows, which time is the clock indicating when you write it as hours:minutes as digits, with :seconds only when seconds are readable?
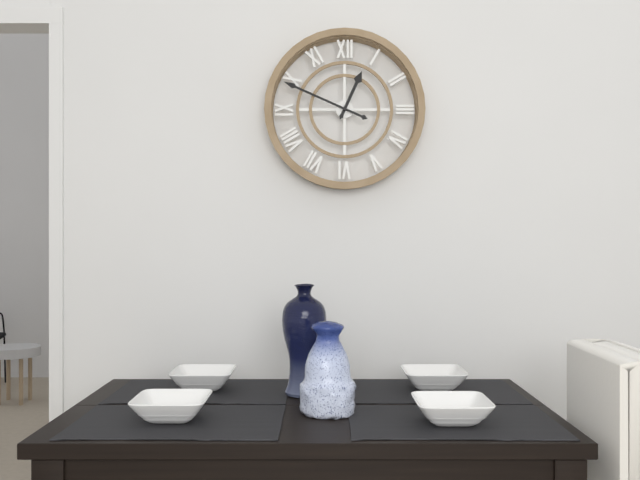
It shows 12:49
